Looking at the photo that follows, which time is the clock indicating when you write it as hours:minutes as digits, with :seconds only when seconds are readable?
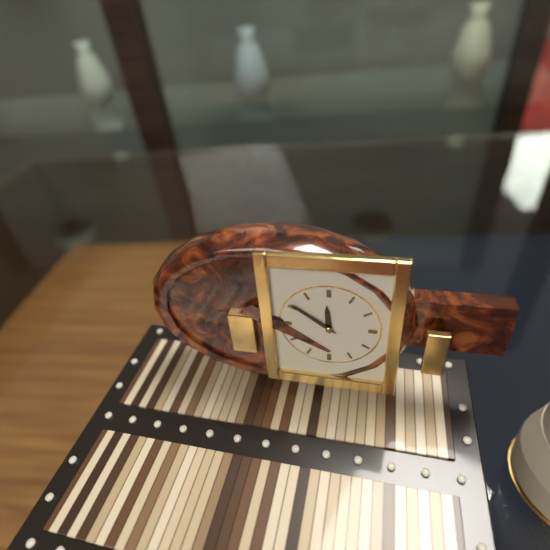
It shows 11:51
